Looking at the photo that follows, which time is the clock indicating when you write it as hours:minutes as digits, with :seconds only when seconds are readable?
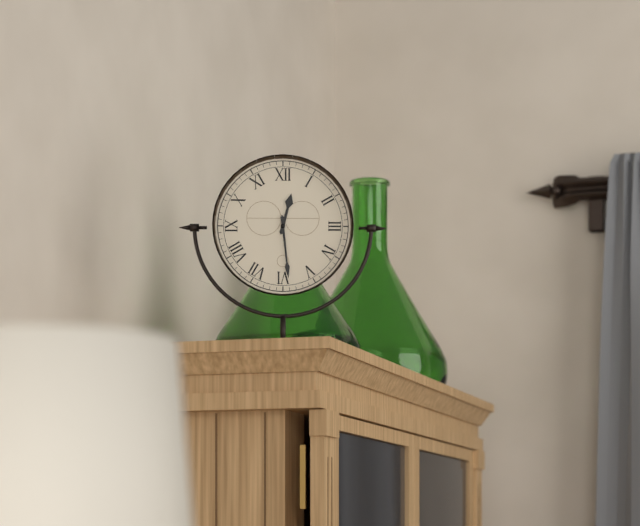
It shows 12:29
